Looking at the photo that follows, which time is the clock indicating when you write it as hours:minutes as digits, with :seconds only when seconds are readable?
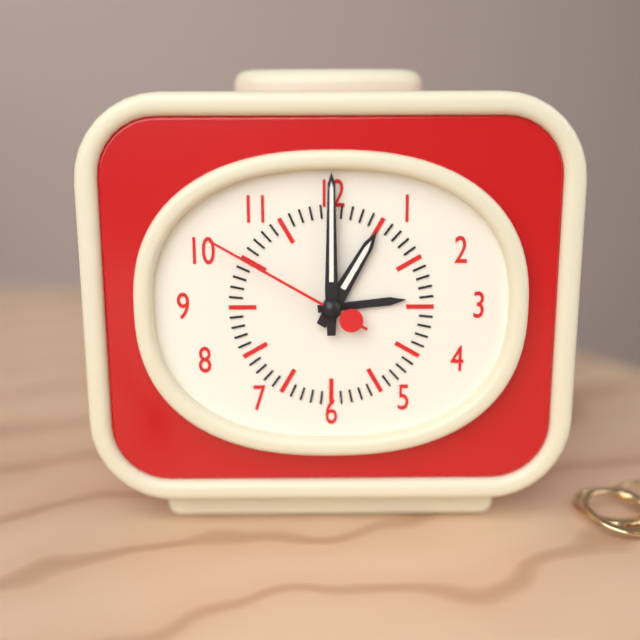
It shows 1:00:50
